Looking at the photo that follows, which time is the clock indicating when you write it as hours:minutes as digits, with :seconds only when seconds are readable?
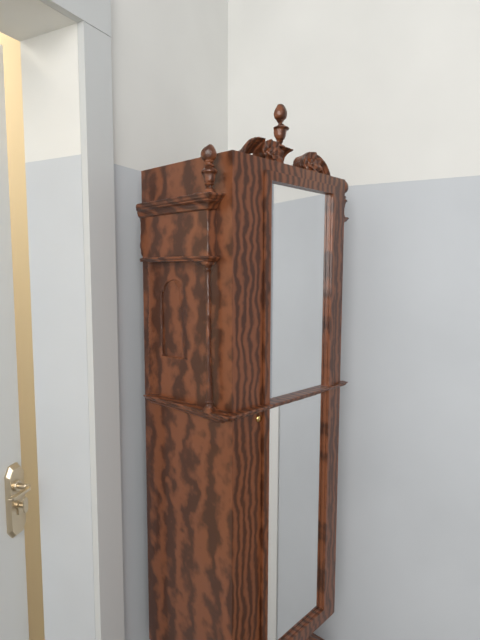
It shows 1:40
